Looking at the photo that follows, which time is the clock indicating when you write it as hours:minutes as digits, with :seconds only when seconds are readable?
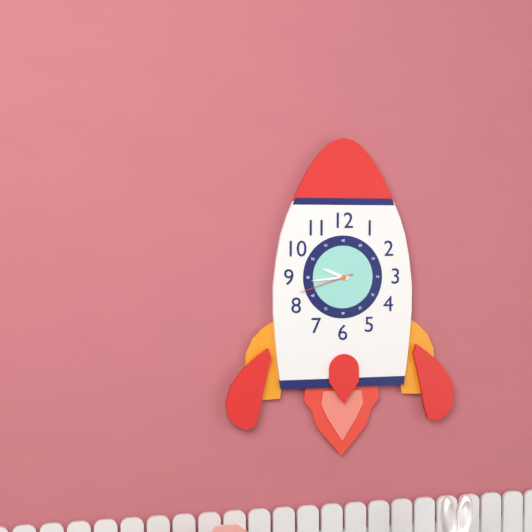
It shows 9:44:42
